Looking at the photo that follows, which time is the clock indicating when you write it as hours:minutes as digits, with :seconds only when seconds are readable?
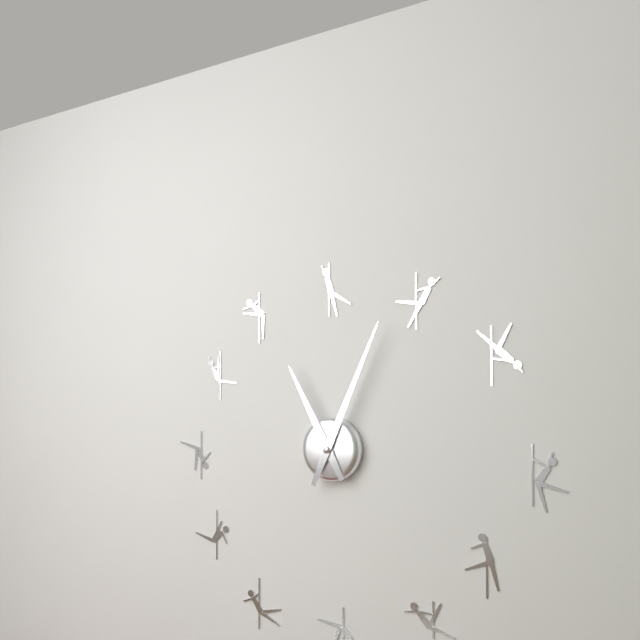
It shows 11:04
